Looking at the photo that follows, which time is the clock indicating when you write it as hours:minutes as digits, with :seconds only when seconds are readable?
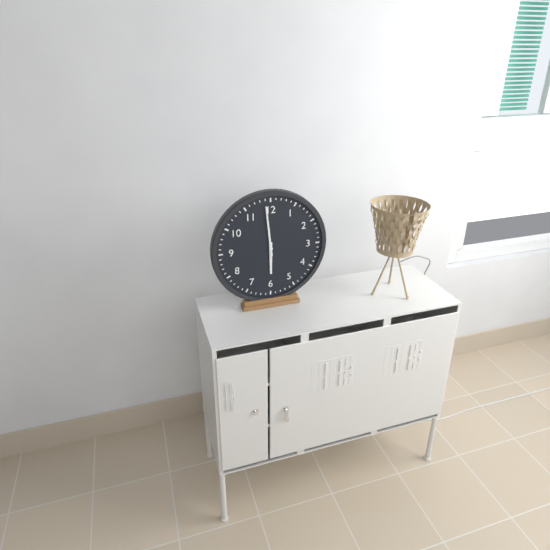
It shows 5:59
